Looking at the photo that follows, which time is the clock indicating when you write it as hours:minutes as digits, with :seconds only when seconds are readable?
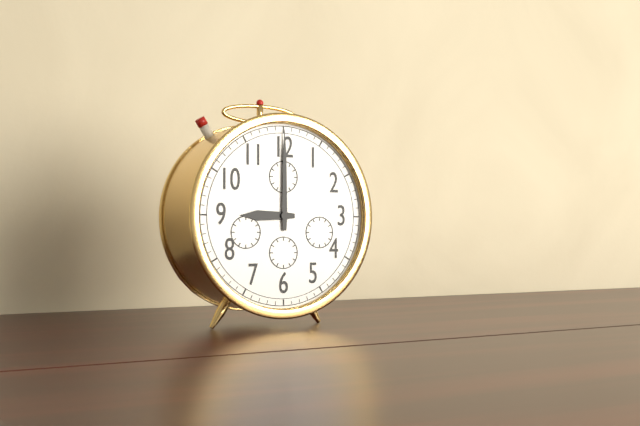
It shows 9:00
